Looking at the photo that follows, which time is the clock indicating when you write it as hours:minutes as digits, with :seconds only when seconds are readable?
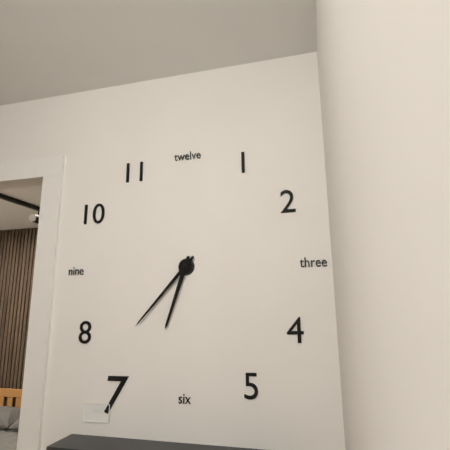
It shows 6:37
